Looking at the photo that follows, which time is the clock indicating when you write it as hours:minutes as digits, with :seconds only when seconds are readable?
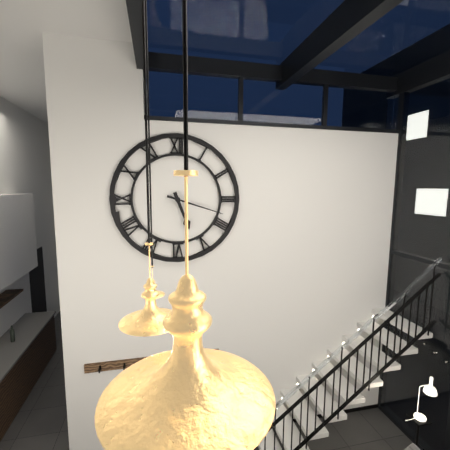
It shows 5:18
